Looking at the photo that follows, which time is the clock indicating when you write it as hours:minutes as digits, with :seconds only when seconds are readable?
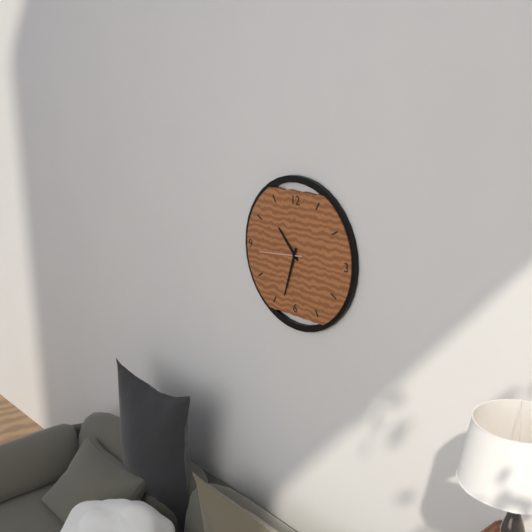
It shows 10:33
